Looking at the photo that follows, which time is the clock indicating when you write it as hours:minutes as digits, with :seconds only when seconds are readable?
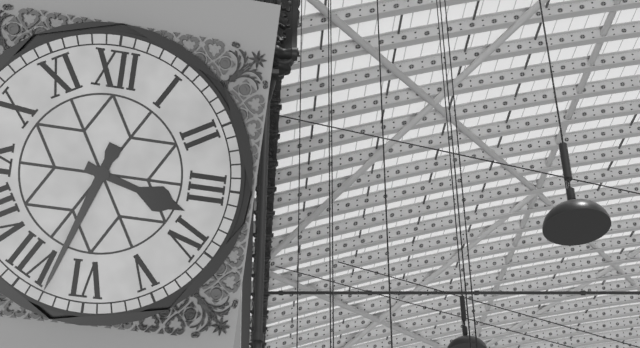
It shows 3:33
